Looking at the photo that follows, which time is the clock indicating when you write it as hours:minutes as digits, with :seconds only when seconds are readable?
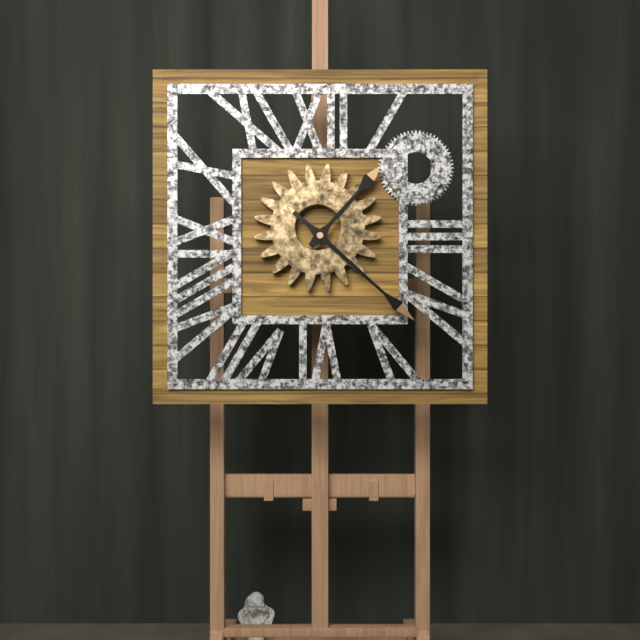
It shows 1:22
